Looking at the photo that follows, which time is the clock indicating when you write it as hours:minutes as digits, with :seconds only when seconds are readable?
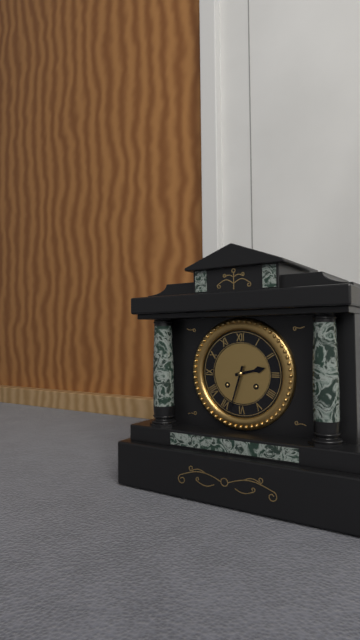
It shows 2:33
